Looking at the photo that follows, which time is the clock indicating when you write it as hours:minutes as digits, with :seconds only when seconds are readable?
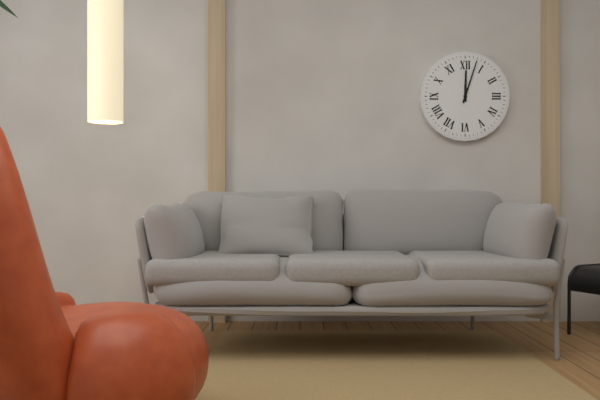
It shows 12:03
